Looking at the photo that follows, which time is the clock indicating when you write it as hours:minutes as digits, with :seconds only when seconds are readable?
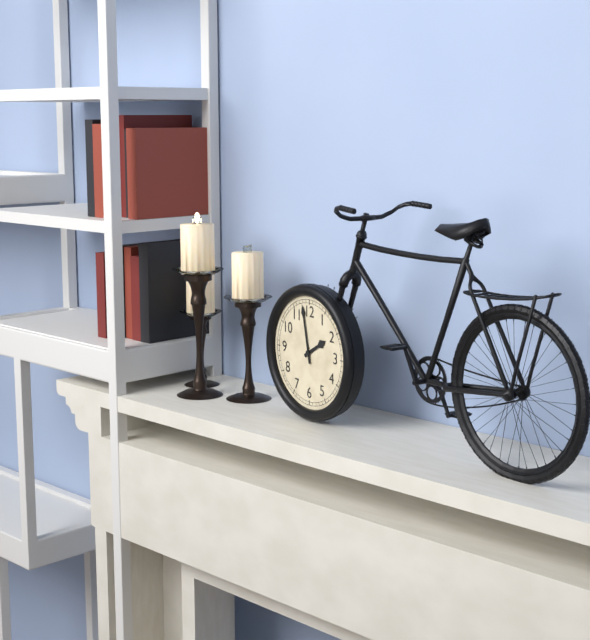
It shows 1:58
